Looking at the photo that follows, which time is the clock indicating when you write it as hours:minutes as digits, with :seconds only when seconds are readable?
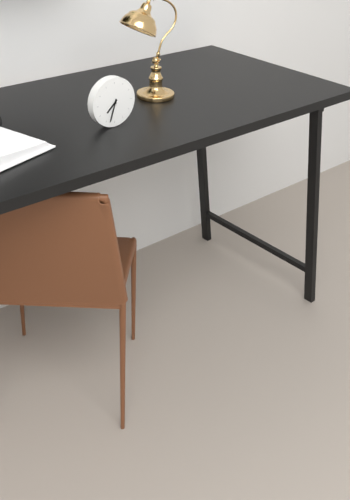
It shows 7:33
